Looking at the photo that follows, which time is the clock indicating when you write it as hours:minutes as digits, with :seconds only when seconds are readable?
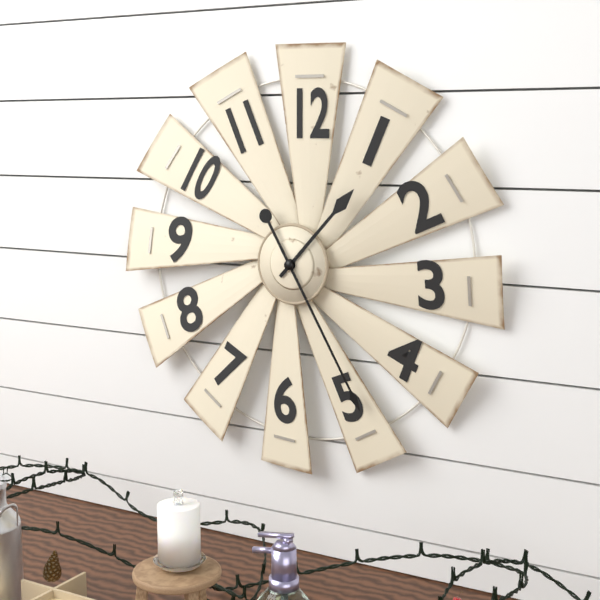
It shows 1:25
